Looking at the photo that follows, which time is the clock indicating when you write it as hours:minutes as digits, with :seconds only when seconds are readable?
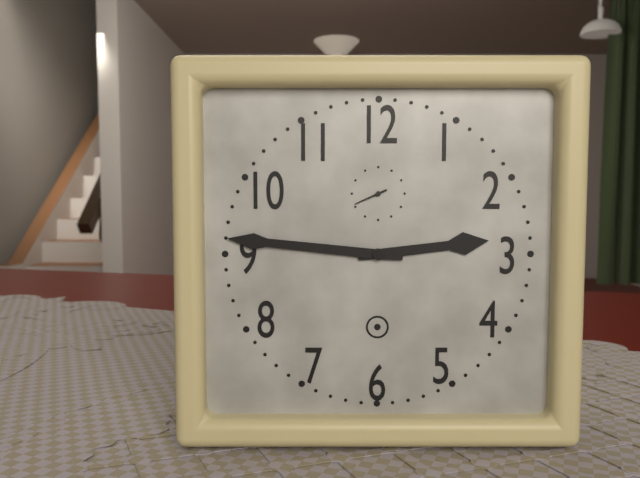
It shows 2:46
